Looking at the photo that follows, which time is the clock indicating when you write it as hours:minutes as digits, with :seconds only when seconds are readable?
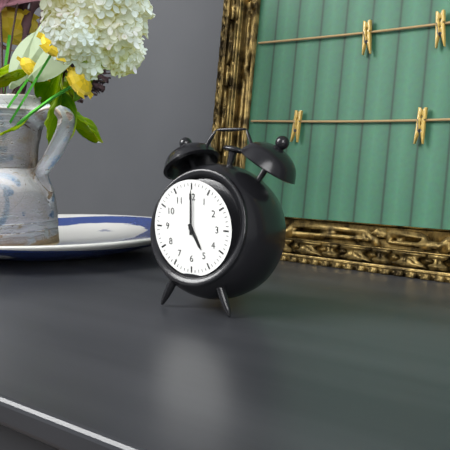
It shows 5:00
